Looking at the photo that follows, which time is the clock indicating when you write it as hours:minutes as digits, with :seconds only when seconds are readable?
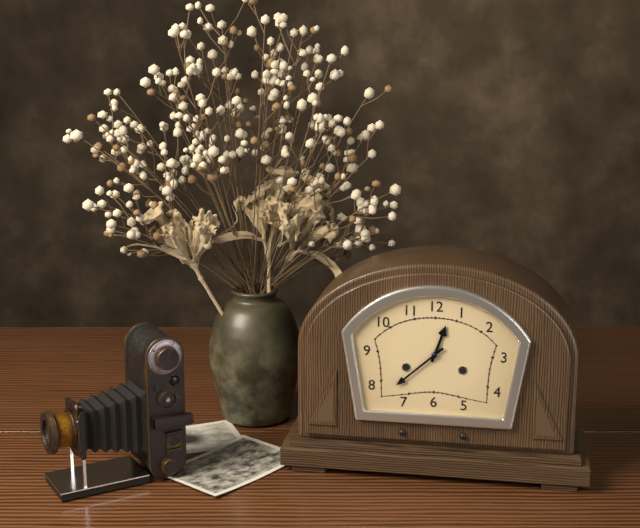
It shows 12:38
